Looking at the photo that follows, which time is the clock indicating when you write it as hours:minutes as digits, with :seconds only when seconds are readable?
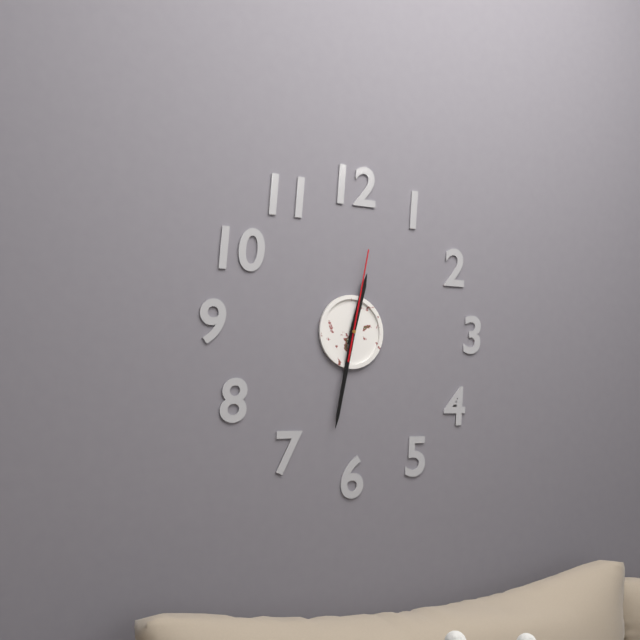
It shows 12:32:02
